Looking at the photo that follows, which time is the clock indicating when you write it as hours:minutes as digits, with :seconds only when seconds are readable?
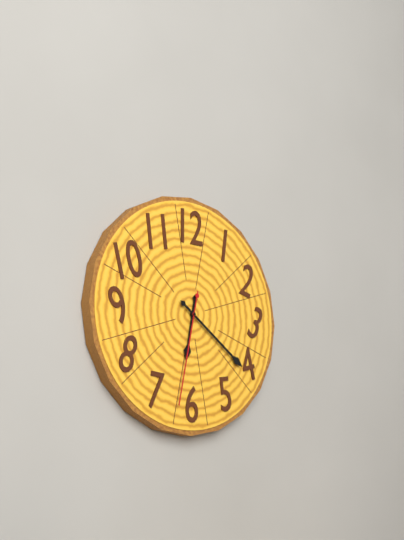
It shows 6:21:32
